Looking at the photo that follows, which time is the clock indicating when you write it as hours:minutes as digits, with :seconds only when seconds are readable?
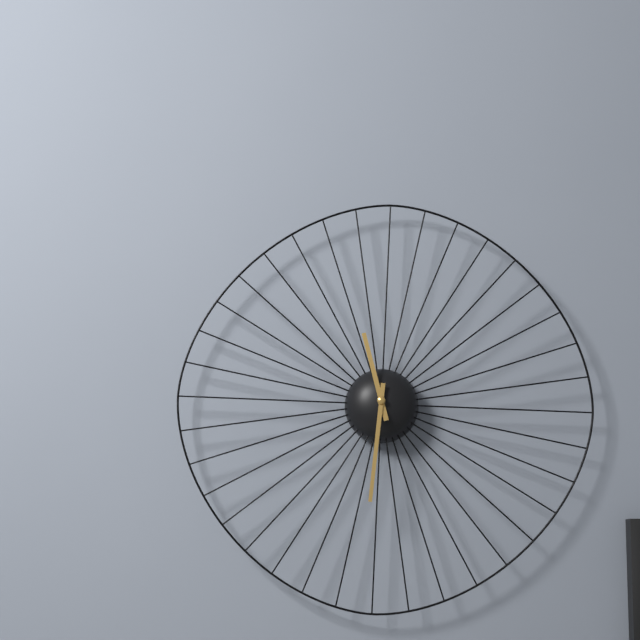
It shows 11:31
